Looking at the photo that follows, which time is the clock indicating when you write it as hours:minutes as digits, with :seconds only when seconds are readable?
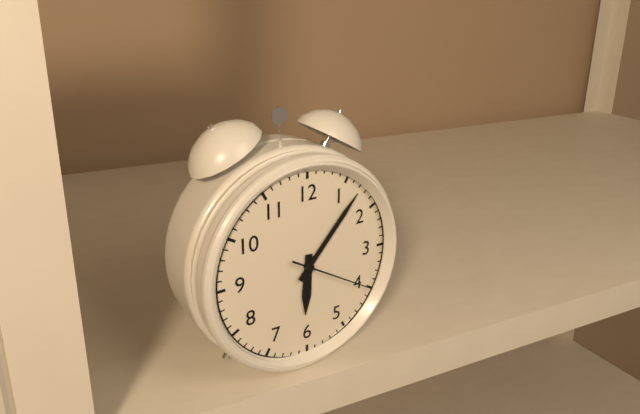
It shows 6:07:20
